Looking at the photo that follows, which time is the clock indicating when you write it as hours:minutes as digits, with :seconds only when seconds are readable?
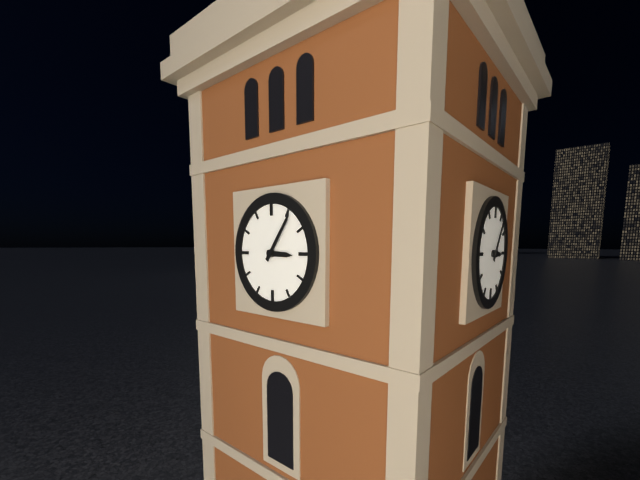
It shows 3:06
